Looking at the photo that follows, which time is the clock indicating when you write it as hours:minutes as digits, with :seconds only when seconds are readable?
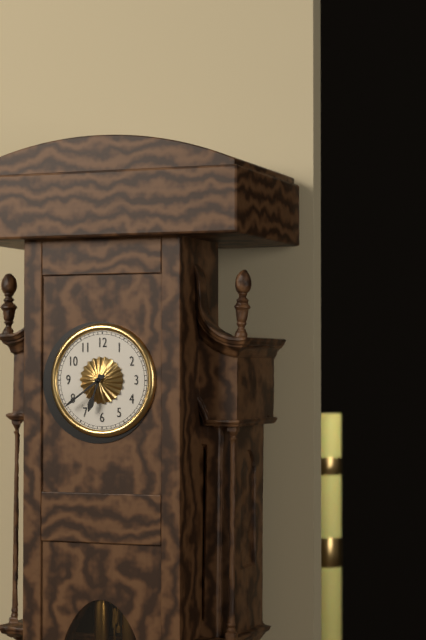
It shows 6:39
